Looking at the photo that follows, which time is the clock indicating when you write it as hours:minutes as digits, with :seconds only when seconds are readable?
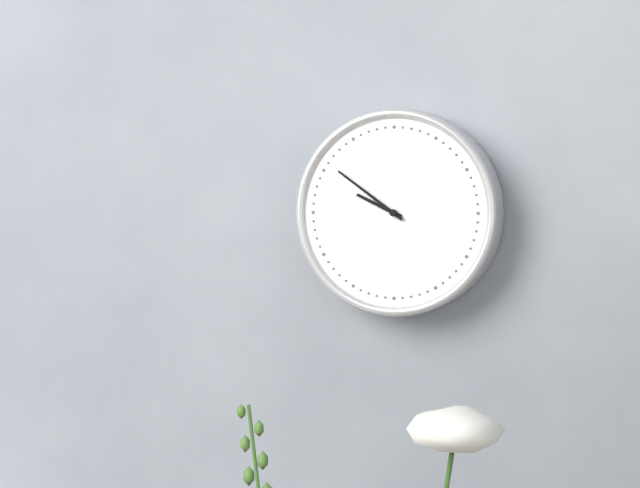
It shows 9:51
